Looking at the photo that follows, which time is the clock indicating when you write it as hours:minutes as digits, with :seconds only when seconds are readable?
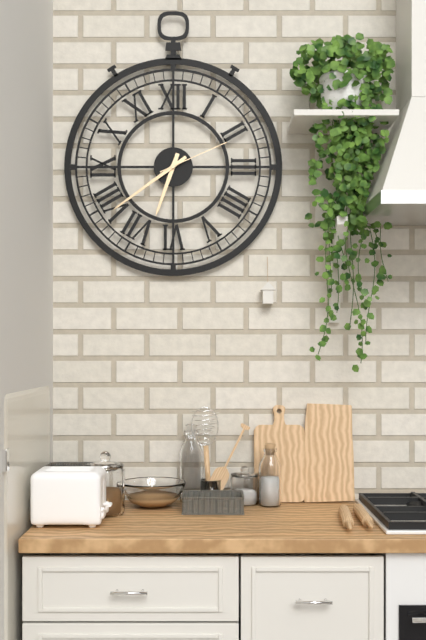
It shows 6:39:11
